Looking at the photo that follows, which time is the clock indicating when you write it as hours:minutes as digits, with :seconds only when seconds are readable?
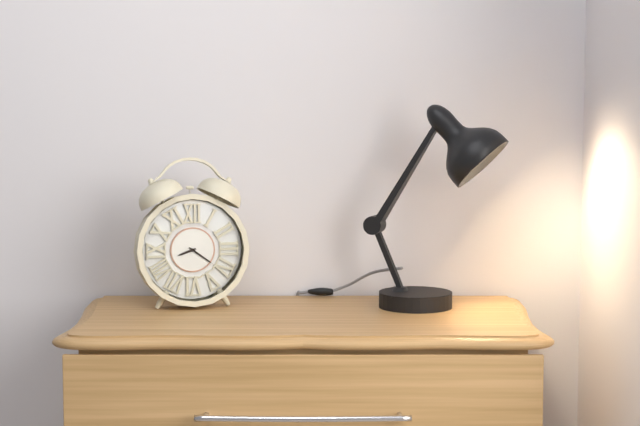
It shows 8:21
